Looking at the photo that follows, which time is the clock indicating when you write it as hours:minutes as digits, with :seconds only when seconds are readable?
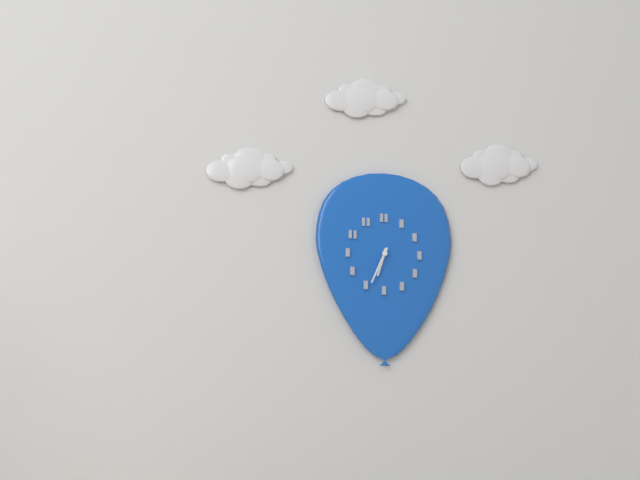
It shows 6:34
